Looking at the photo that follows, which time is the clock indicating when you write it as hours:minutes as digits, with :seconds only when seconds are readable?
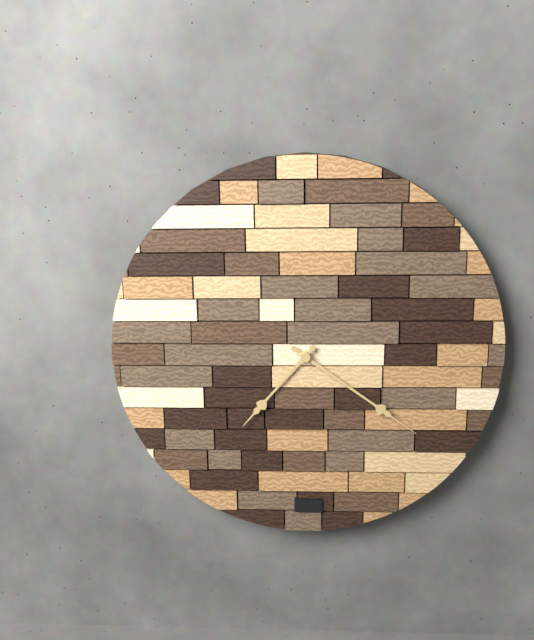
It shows 7:21
